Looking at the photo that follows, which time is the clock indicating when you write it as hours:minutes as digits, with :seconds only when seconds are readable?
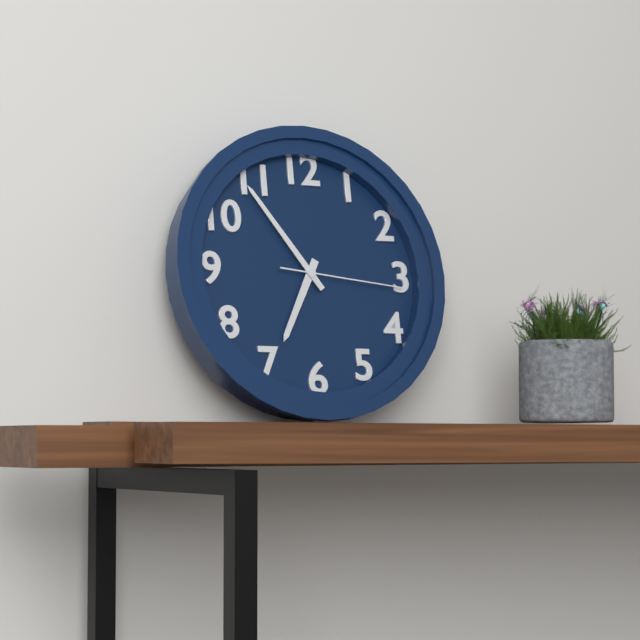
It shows 6:54:16
